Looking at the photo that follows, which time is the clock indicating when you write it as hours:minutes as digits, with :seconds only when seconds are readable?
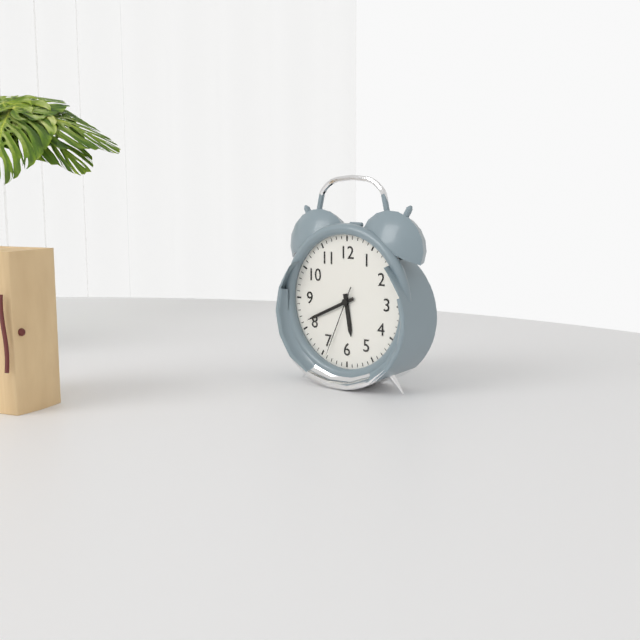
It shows 5:41:34
